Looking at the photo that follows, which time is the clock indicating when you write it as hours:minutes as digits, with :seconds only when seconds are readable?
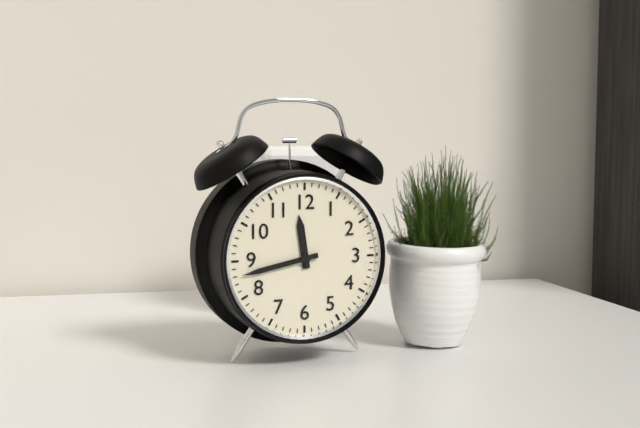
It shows 11:43
